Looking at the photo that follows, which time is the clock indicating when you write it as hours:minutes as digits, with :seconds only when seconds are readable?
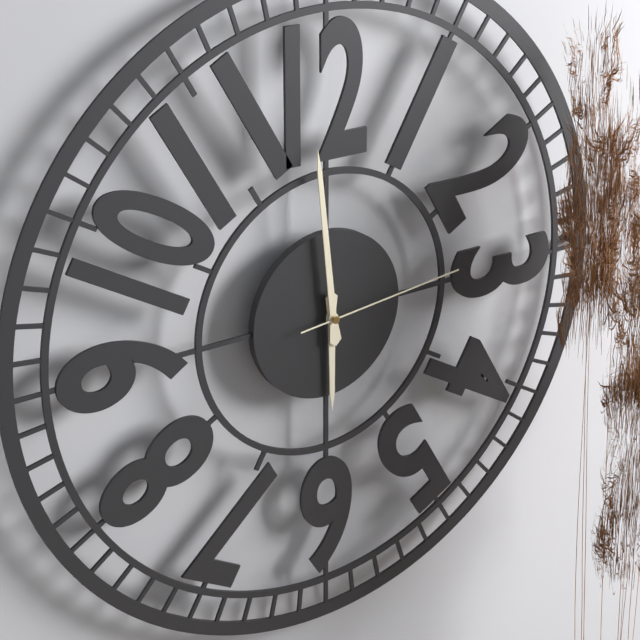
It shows 5:59:14
